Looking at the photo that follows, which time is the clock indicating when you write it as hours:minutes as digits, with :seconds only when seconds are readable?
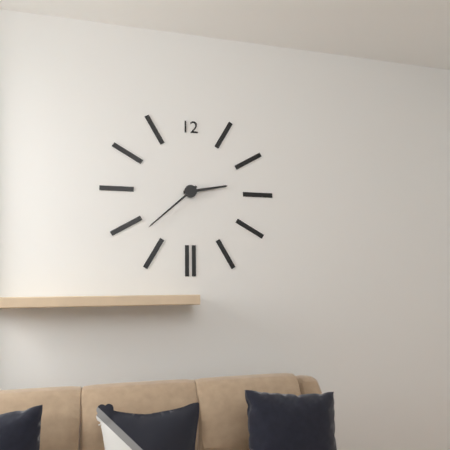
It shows 2:38
